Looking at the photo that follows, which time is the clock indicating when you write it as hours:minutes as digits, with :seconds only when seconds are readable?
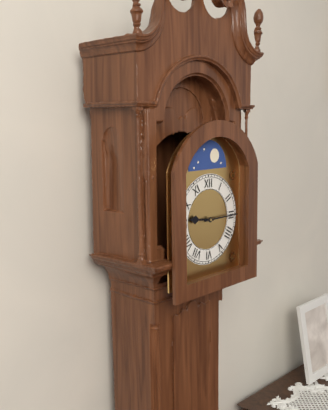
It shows 9:15
